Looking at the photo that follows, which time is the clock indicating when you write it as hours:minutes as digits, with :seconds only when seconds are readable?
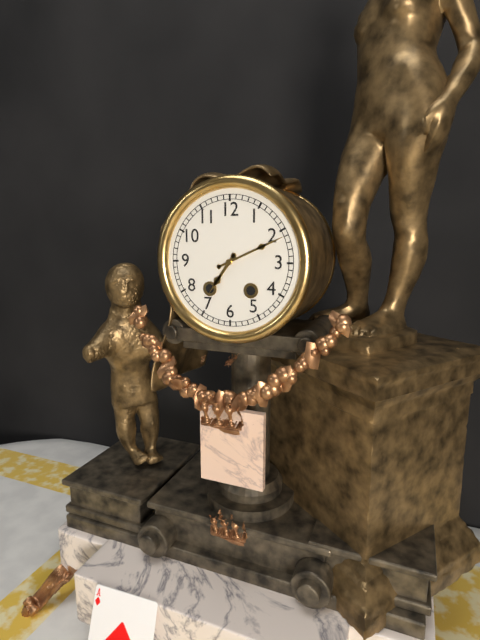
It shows 7:11
